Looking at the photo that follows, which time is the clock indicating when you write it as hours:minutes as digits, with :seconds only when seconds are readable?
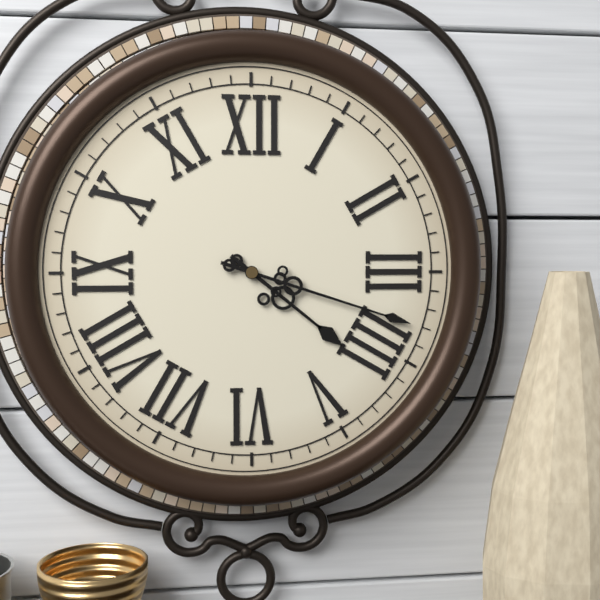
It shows 4:18
